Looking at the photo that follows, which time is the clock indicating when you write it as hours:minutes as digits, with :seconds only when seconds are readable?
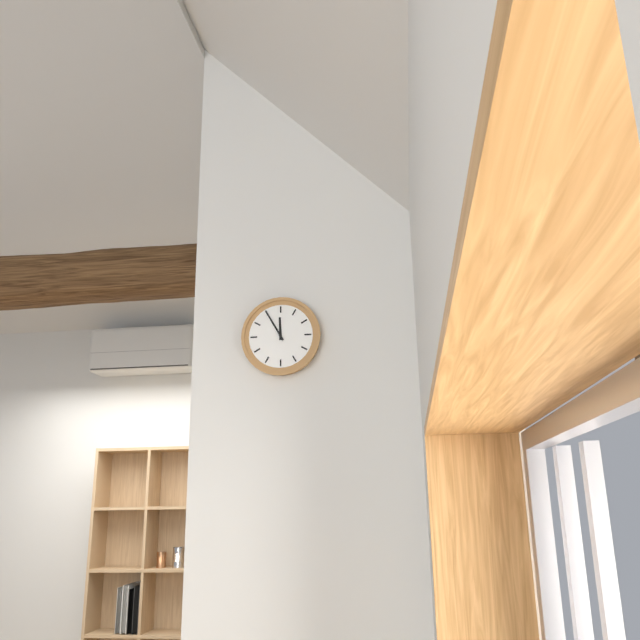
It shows 11:55
